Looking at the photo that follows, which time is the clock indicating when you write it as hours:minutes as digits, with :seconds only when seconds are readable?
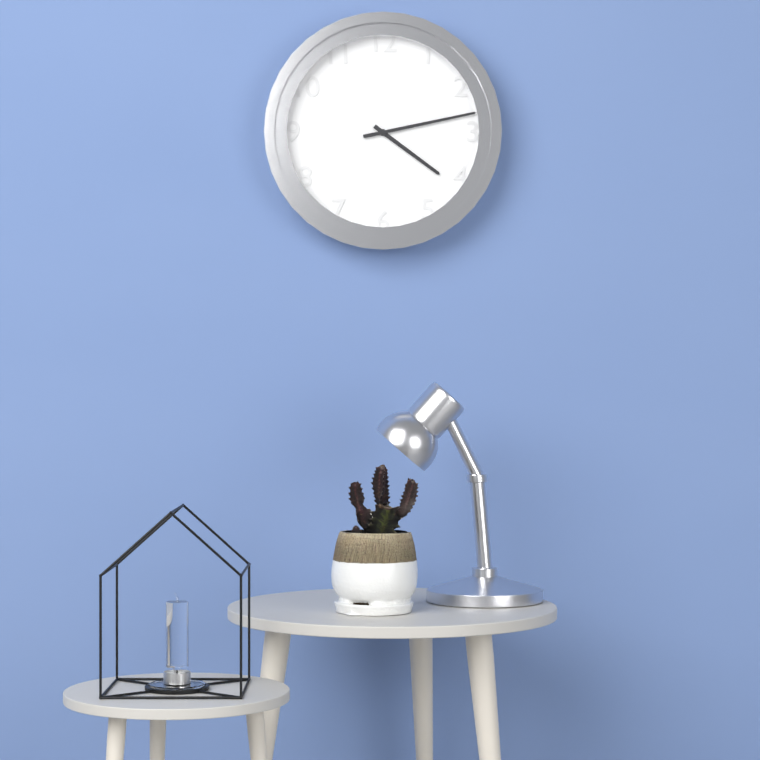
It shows 4:13
